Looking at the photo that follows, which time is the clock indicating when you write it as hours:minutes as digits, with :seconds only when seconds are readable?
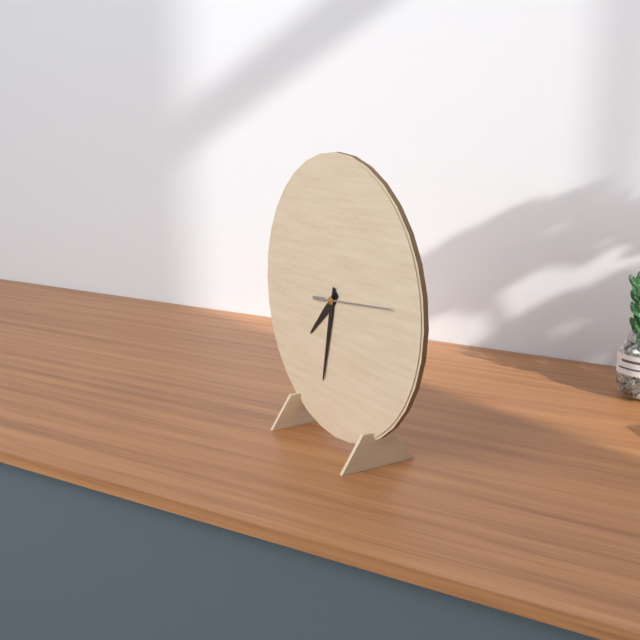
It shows 7:32:14
